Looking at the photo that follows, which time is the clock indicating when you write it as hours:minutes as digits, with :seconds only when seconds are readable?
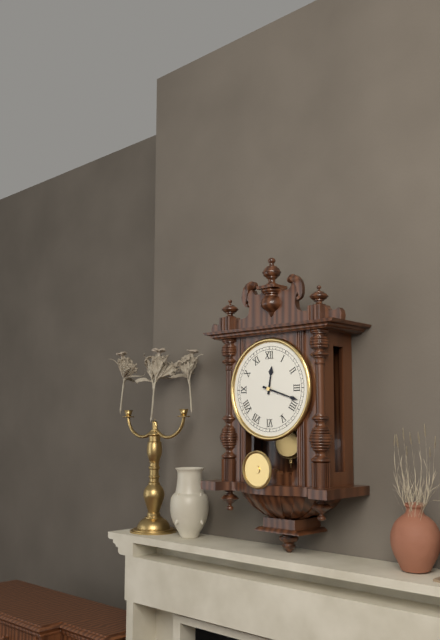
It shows 12:18
